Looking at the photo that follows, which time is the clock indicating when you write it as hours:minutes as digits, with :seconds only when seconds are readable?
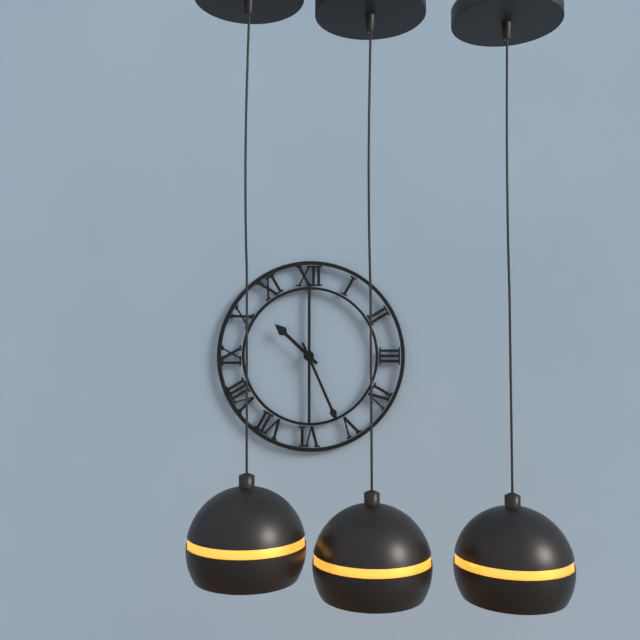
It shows 10:26
